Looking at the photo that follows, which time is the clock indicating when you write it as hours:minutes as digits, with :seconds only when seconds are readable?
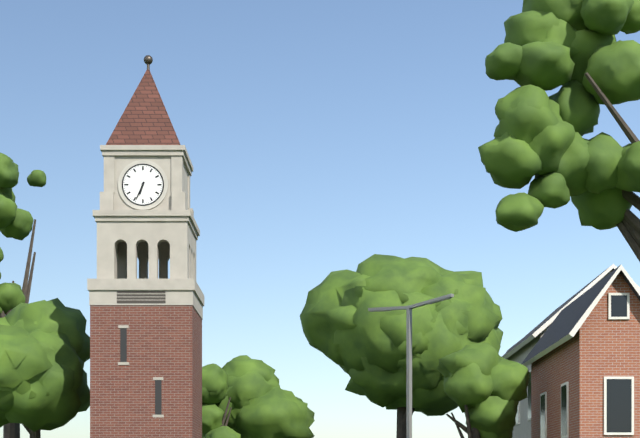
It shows 6:34
